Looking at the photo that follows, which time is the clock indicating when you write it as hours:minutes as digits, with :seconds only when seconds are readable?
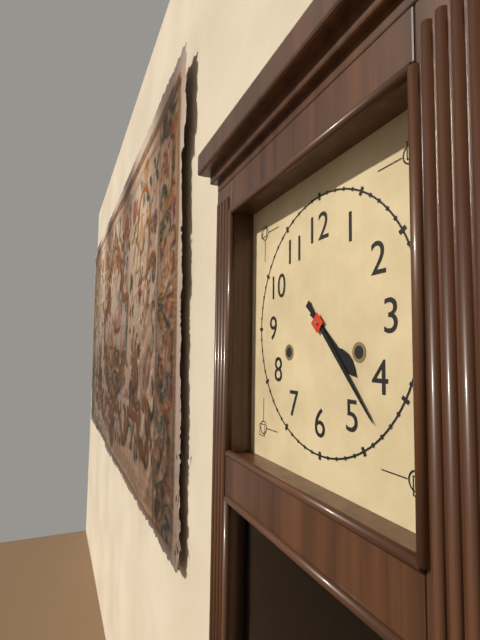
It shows 4:23
